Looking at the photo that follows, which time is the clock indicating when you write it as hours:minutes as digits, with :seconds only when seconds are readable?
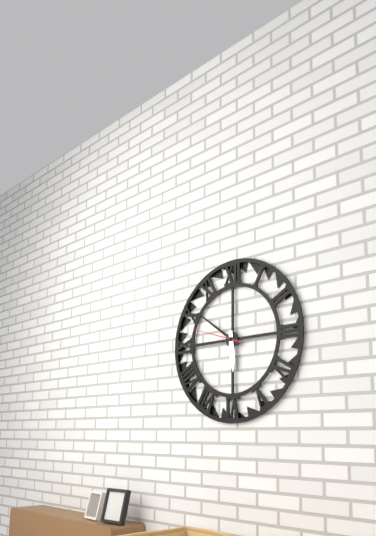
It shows 5:51:48
